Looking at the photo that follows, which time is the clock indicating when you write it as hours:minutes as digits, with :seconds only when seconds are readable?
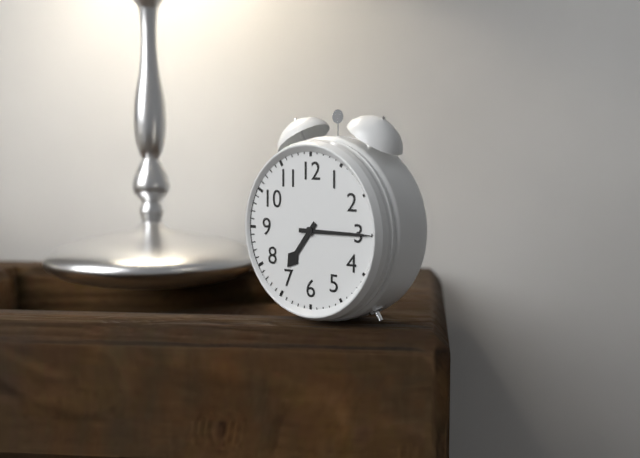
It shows 7:15
